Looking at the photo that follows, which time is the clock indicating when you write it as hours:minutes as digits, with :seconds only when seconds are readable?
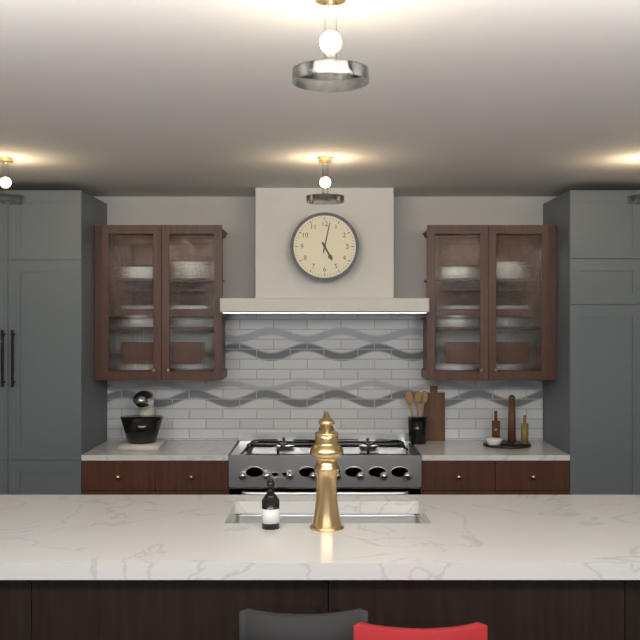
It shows 5:02
